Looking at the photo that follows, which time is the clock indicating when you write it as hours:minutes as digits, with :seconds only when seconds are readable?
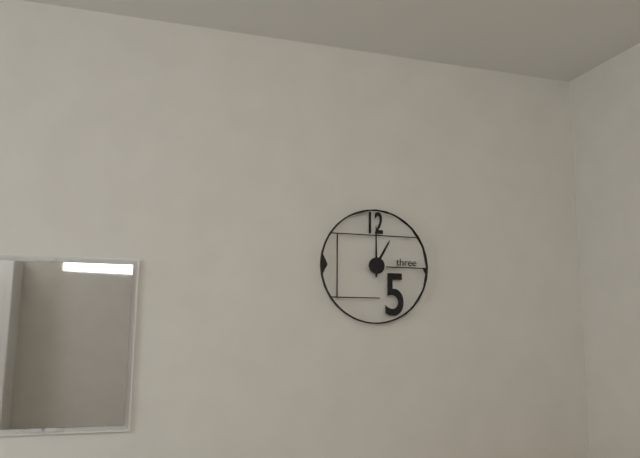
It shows 1:00
